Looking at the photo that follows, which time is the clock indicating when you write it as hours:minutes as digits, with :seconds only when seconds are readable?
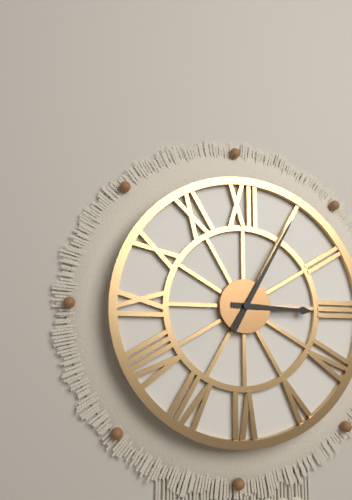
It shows 3:05
